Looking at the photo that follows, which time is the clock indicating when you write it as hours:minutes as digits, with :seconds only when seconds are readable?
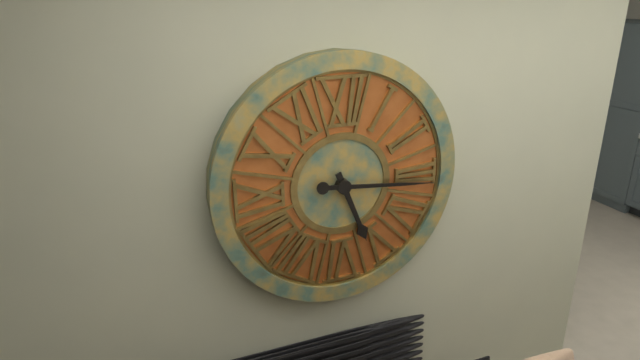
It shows 5:16
